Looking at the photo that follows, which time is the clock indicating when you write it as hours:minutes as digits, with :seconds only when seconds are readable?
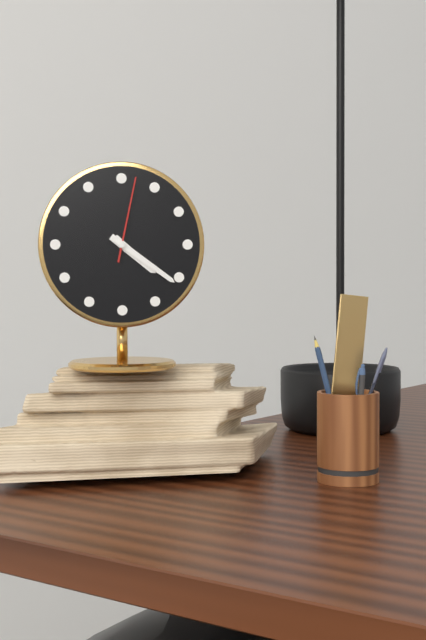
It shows 4:21:02
